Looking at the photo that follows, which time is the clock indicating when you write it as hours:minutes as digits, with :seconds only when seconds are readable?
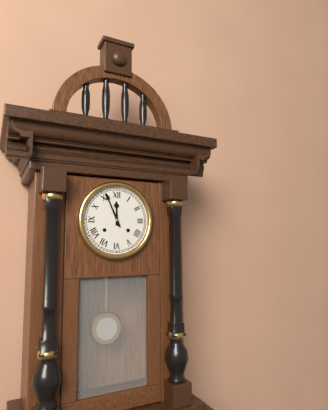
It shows 11:56
